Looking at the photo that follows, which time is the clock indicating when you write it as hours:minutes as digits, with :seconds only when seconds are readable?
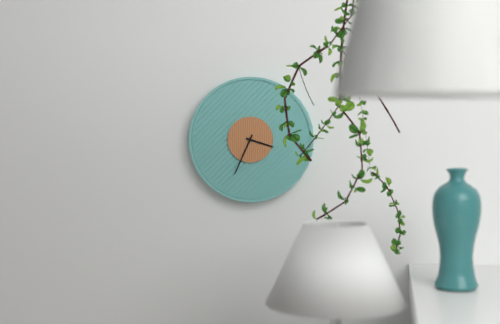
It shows 3:34
